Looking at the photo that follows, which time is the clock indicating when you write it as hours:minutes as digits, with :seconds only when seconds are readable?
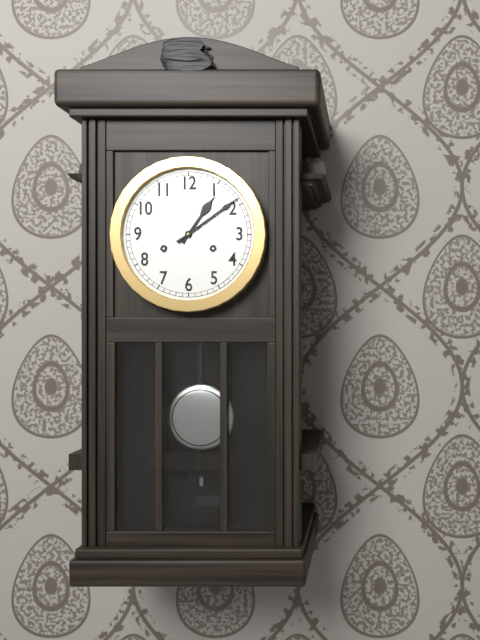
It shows 1:09
